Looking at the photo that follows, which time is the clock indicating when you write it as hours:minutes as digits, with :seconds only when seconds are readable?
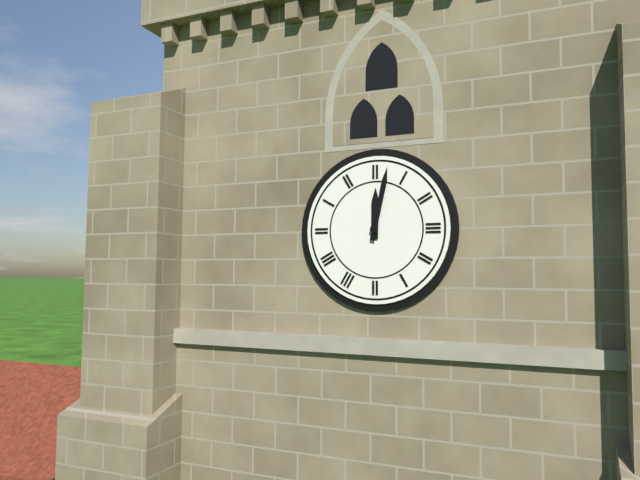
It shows 12:02
